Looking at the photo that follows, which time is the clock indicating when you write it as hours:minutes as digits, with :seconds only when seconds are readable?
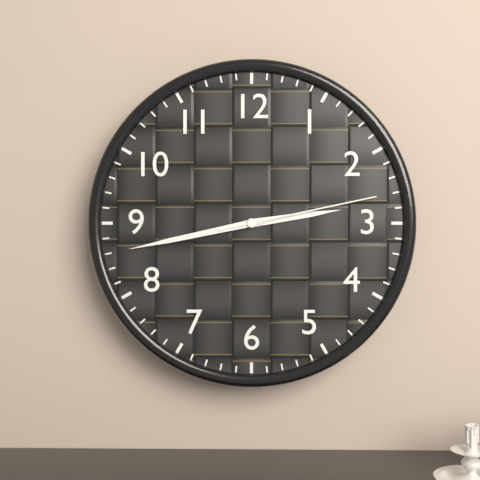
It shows 2:43:13
